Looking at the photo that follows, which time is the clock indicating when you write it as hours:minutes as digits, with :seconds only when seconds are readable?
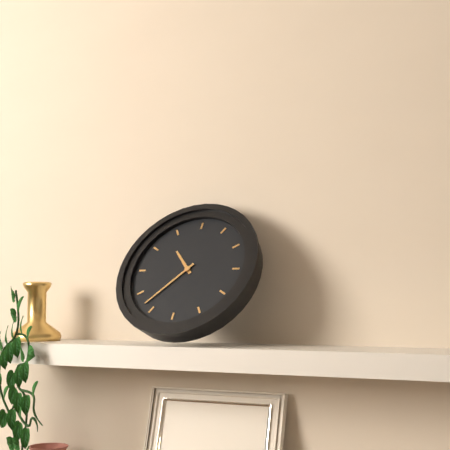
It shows 10:37
